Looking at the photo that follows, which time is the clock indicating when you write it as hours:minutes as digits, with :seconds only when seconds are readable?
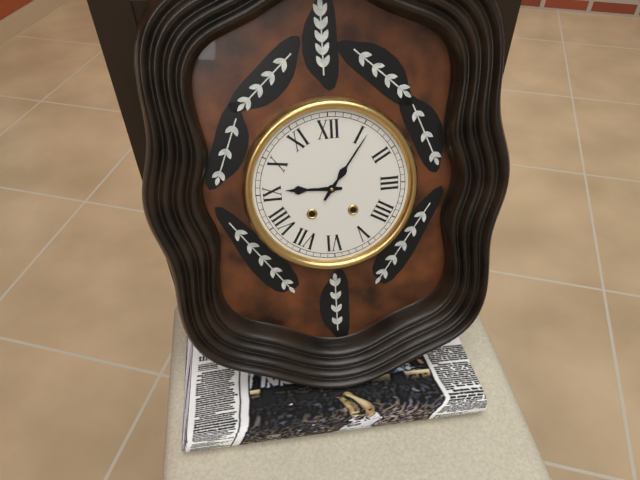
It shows 9:06
